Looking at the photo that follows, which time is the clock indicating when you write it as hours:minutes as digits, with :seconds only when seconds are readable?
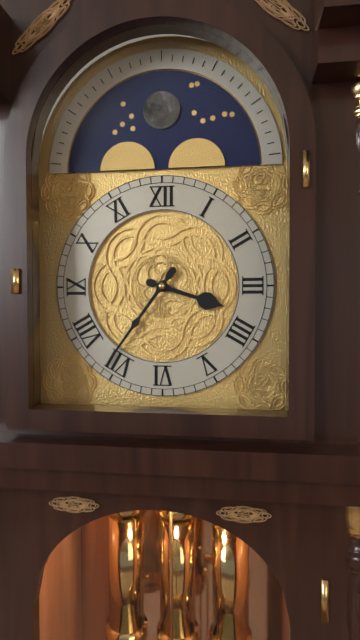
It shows 3:36
